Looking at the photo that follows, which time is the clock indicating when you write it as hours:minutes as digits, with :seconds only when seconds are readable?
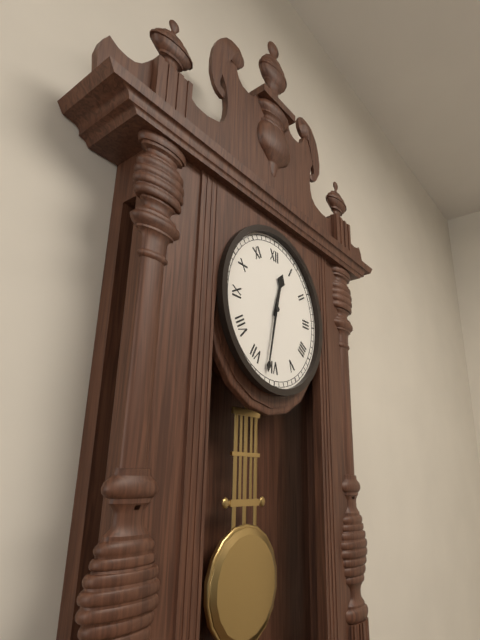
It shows 12:32
